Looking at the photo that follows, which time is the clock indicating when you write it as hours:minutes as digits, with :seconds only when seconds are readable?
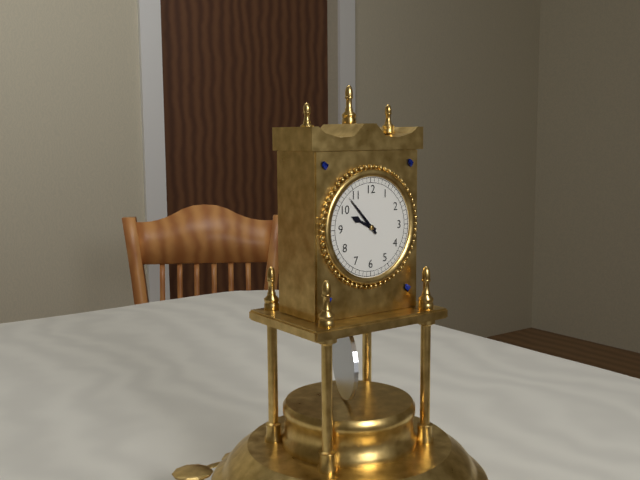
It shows 9:53
